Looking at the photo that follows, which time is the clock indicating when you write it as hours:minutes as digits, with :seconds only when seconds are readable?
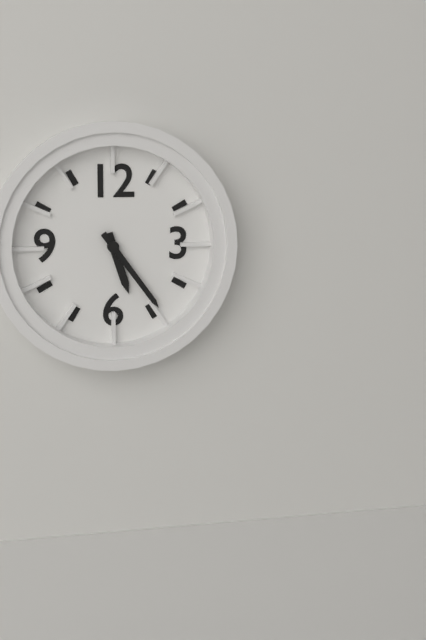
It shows 5:24
